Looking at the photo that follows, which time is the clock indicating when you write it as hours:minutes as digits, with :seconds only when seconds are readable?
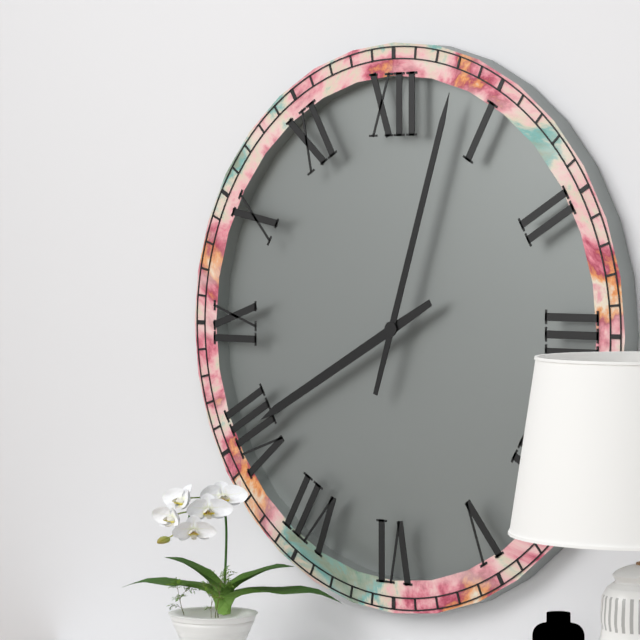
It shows 8:03
